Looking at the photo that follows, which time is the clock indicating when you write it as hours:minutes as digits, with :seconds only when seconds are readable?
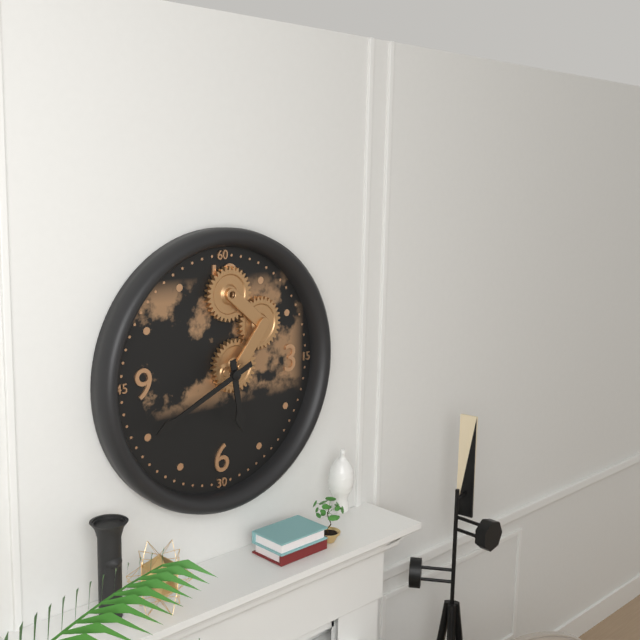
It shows 5:41
